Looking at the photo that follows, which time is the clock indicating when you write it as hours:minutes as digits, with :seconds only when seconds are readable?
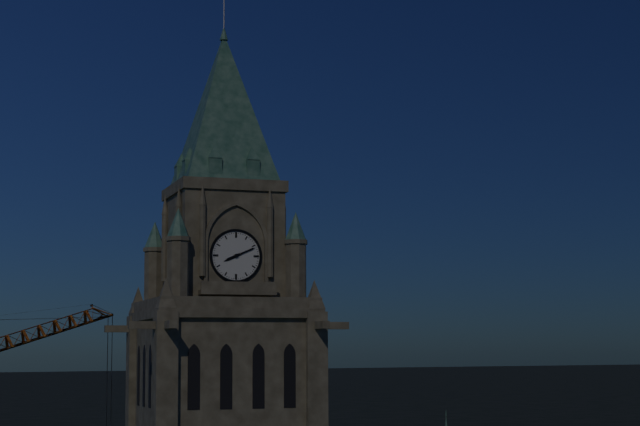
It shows 8:11
